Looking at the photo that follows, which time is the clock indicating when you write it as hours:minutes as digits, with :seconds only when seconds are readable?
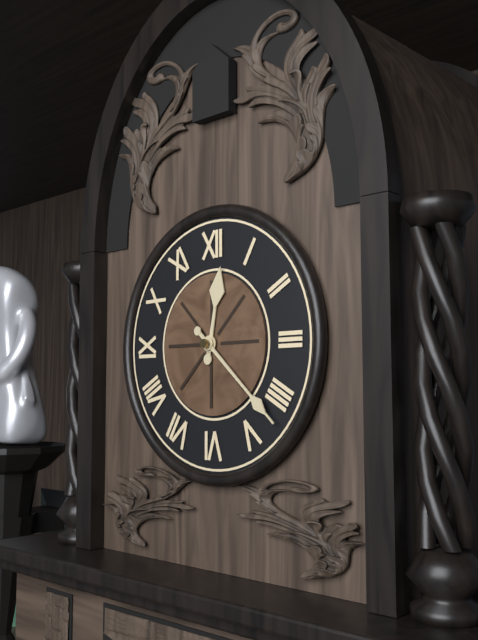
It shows 12:22
